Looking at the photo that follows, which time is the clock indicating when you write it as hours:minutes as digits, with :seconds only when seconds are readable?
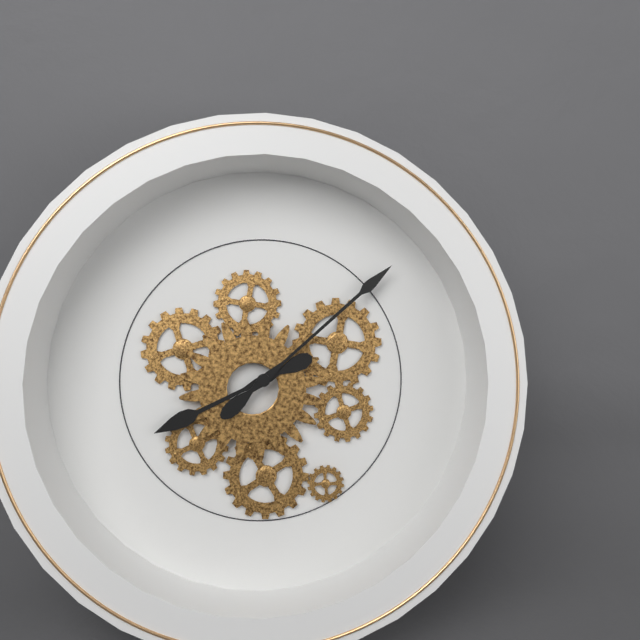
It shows 8:08
